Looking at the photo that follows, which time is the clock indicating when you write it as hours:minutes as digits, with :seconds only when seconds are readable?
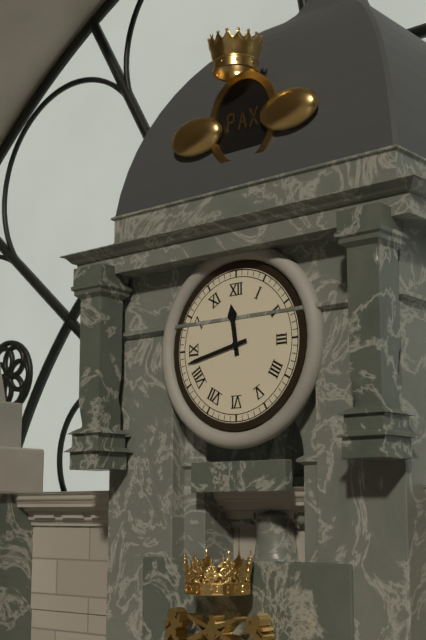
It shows 11:43
